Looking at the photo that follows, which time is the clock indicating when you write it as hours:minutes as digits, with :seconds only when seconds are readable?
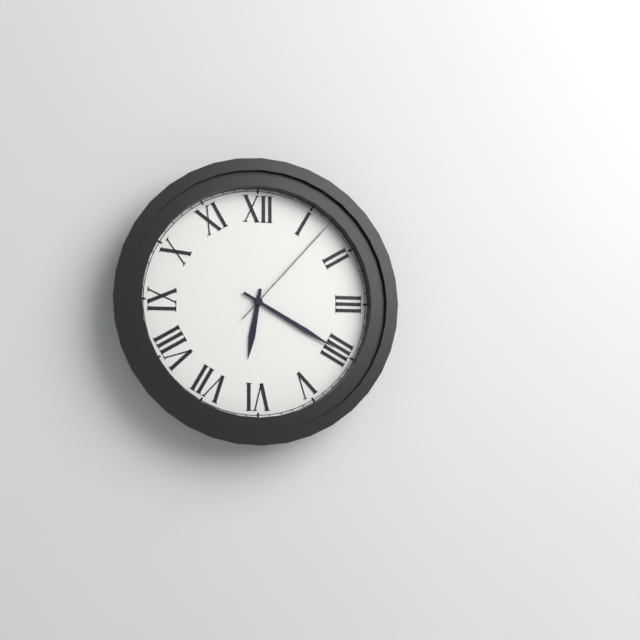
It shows 6:20:07
